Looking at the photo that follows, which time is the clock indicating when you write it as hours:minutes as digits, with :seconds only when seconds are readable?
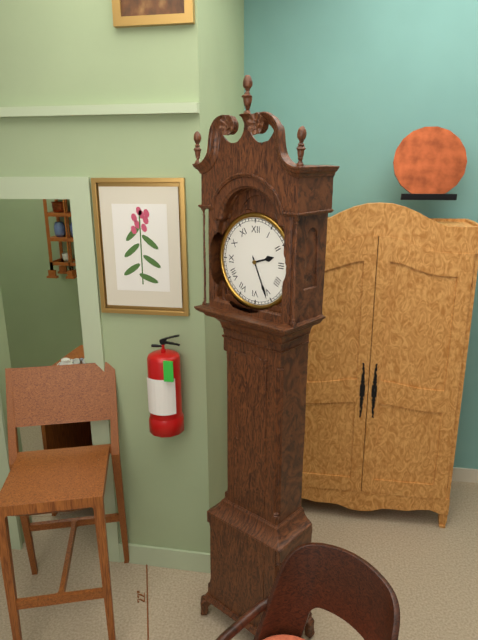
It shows 2:26
